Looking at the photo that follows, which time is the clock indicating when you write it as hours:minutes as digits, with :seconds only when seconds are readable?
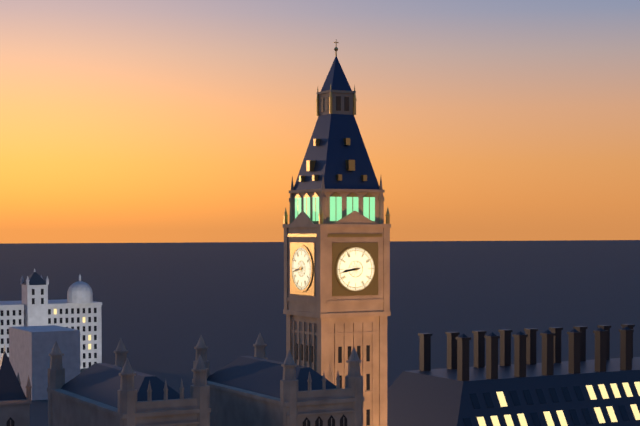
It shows 8:43
